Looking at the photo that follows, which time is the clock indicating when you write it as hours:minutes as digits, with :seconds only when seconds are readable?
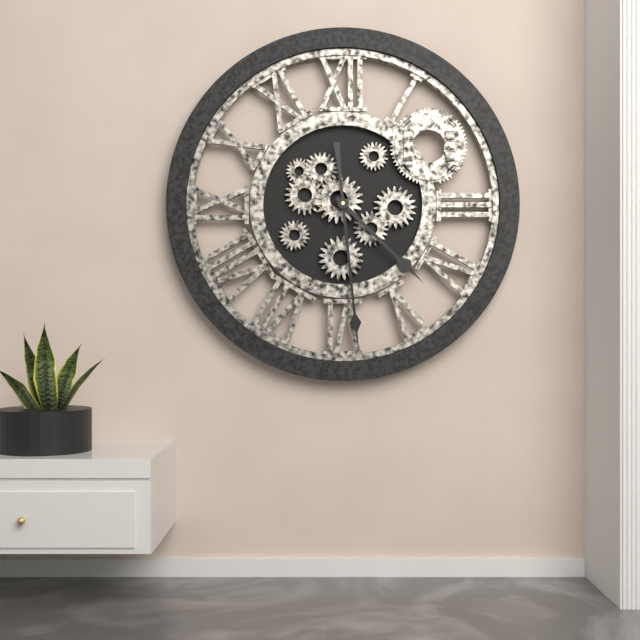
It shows 4:29
